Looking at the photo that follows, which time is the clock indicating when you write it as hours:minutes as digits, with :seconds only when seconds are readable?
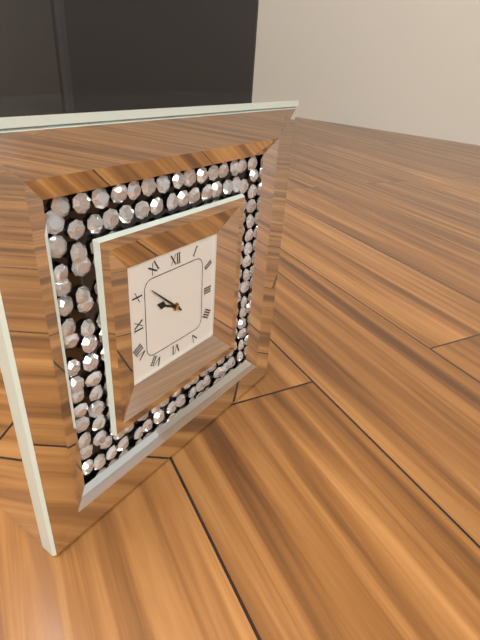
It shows 9:52
